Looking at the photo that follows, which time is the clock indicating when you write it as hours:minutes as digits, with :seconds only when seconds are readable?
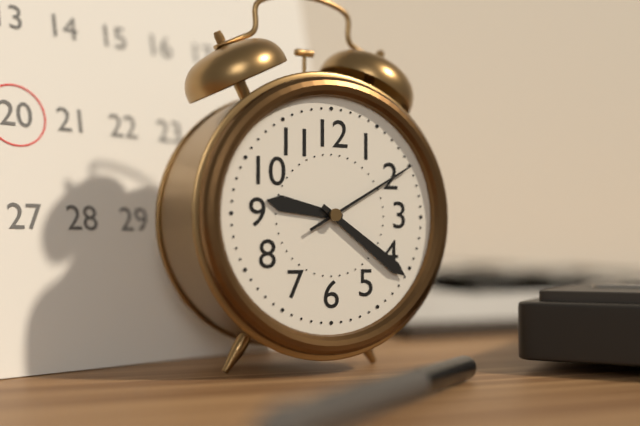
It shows 9:21:10
